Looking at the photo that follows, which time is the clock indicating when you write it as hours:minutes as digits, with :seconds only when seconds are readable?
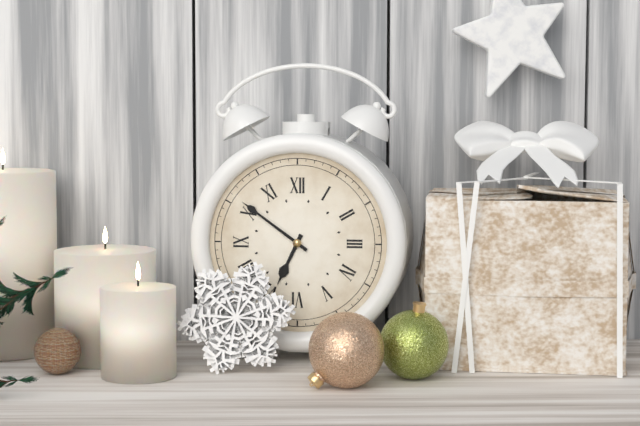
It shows 6:51
